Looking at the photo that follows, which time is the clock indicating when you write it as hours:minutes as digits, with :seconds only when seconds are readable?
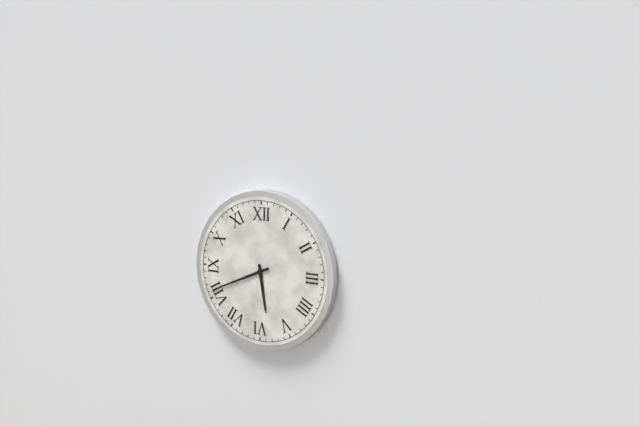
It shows 5:41
